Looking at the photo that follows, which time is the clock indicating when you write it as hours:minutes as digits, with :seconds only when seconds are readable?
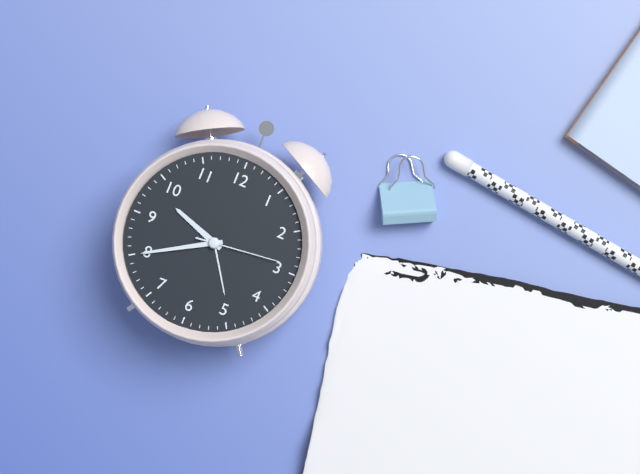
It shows 9:40:14
